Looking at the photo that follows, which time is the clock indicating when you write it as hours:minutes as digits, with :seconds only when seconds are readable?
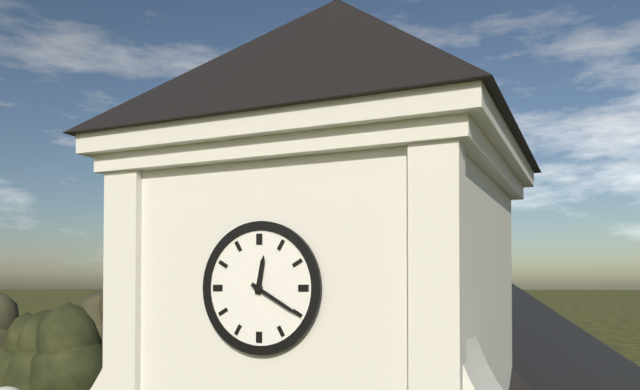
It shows 12:20
